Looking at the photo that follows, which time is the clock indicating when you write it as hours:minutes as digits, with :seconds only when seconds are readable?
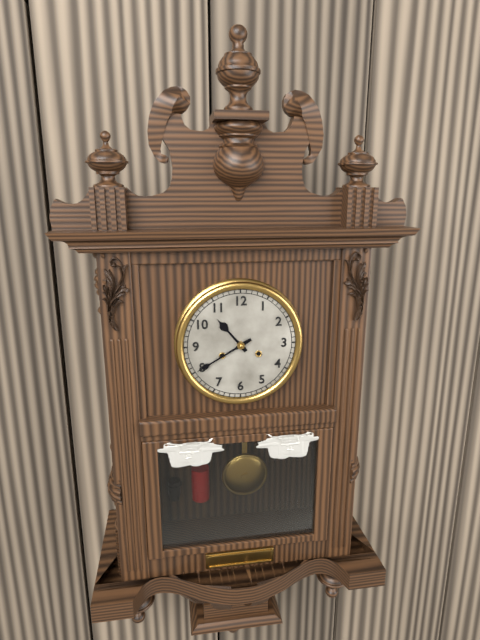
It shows 10:40
